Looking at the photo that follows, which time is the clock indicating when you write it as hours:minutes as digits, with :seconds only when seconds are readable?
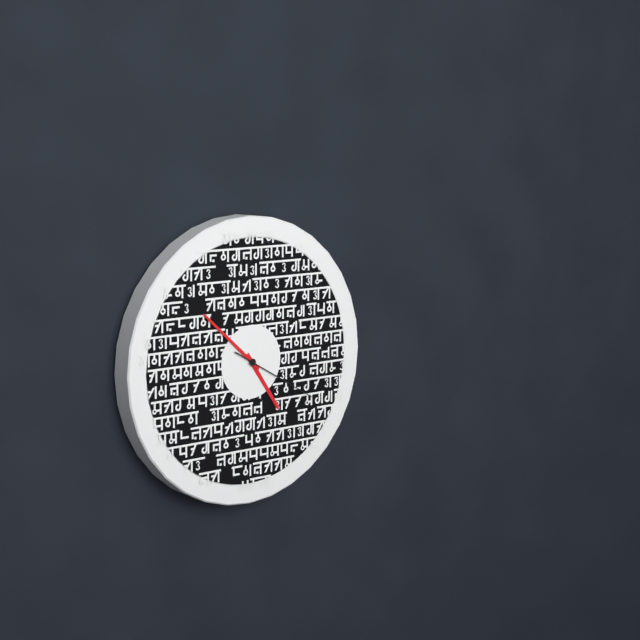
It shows 4:52:20
